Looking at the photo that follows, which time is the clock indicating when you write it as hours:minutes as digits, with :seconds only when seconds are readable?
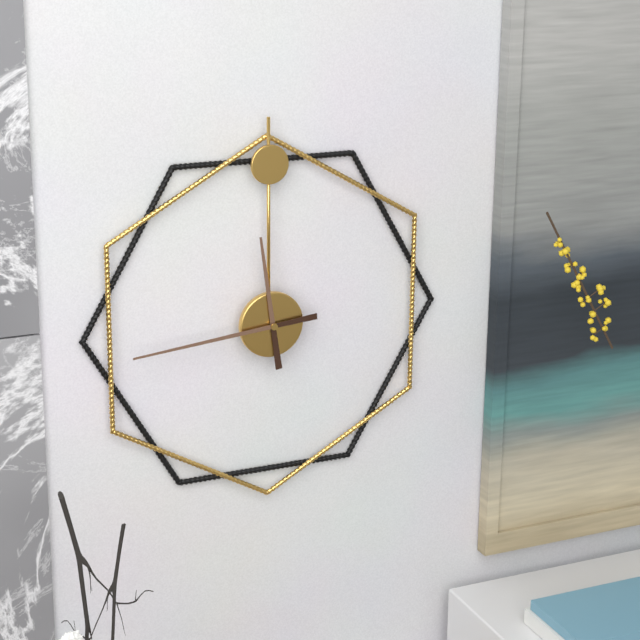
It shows 11:44
